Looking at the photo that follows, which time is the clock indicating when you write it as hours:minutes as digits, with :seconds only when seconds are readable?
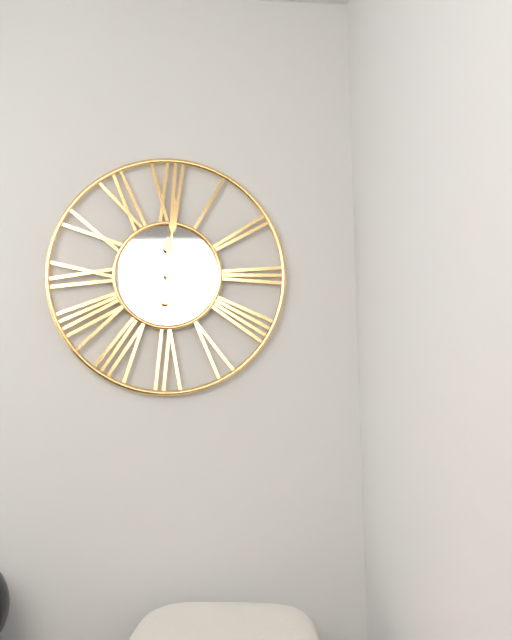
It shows 12:01
